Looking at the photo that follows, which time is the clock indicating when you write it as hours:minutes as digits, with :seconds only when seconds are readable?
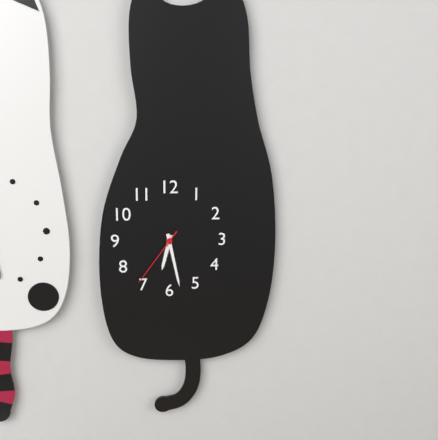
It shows 6:28:36
